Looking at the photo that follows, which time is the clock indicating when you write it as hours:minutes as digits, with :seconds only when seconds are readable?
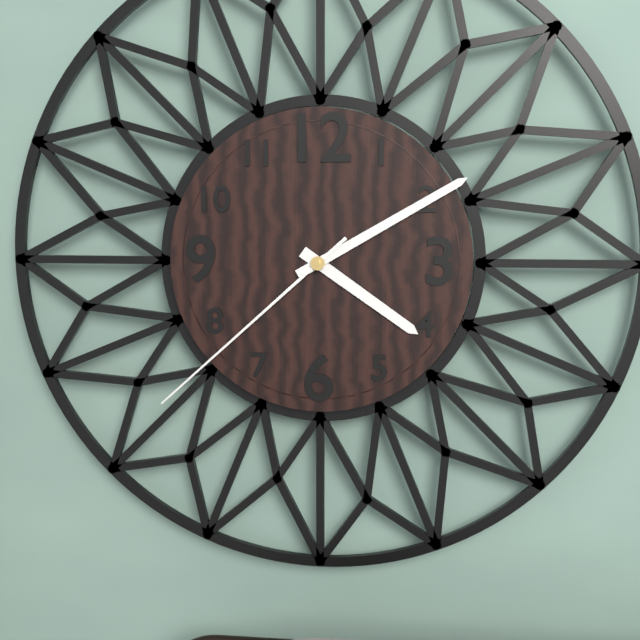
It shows 4:10:38
